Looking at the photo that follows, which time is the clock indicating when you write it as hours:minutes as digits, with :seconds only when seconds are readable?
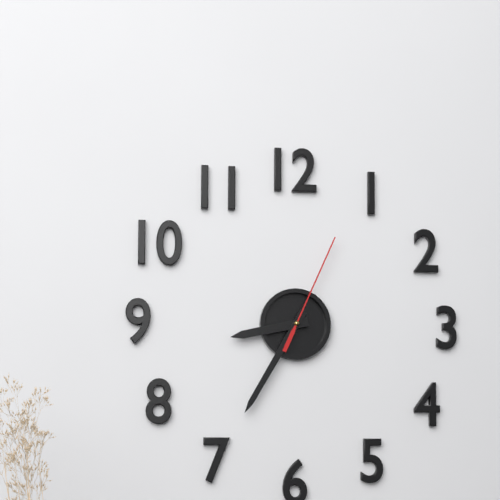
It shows 8:35:04
